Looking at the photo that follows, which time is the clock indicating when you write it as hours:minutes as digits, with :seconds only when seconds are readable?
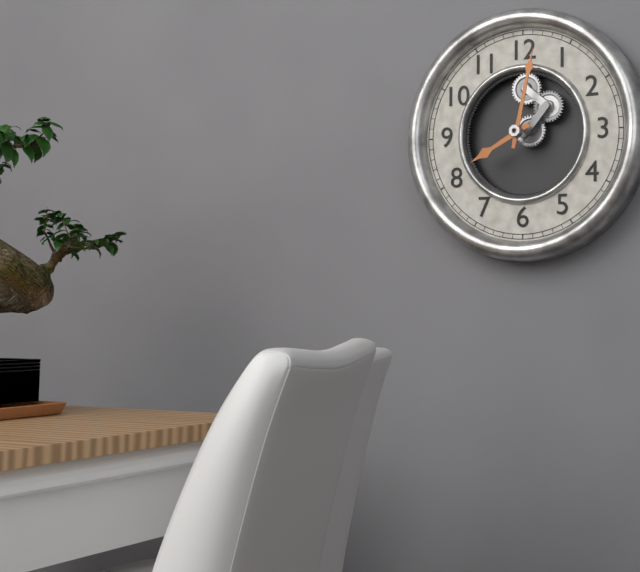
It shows 8:02
